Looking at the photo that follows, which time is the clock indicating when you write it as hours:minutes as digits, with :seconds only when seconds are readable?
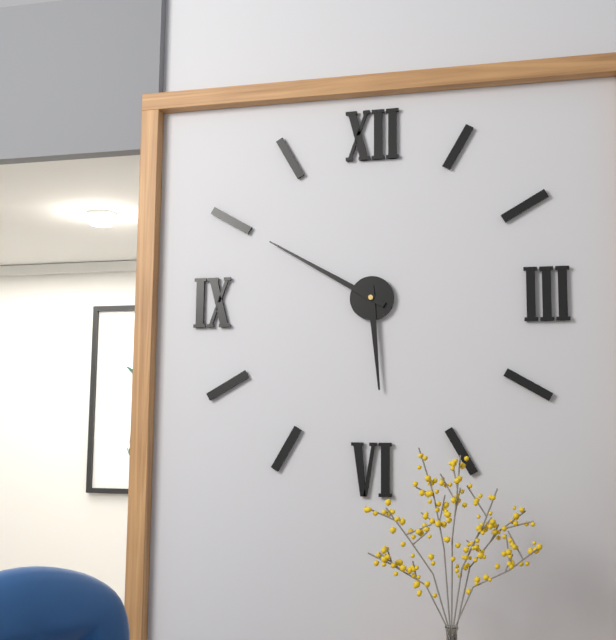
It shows 5:50
